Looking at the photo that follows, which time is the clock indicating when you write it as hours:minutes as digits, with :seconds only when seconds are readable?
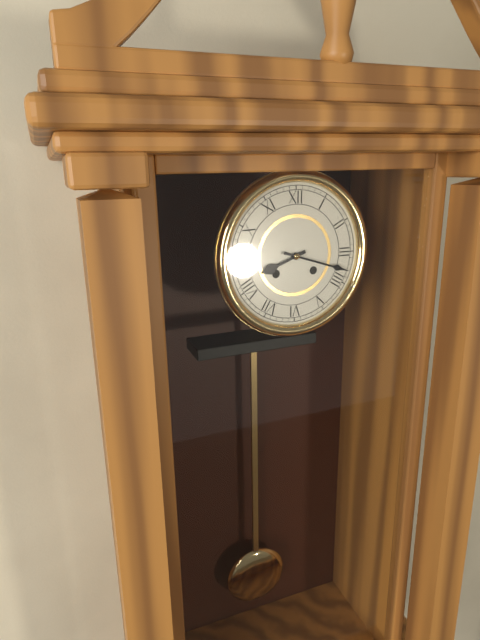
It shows 8:18
